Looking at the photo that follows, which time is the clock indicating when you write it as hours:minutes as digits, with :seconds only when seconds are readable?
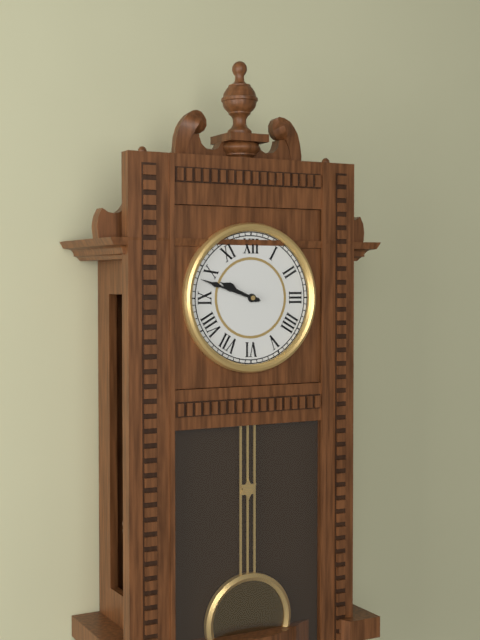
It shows 9:48
